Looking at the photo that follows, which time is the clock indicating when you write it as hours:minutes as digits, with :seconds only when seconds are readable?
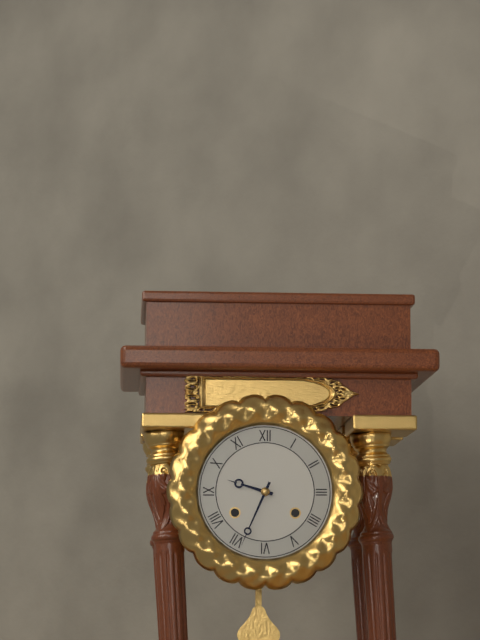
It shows 9:34
